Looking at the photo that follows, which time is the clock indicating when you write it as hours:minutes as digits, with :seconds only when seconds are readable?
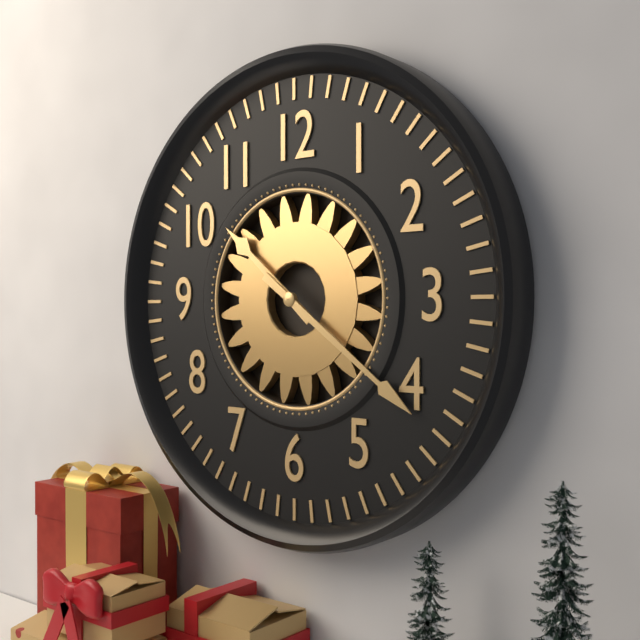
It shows 10:21
